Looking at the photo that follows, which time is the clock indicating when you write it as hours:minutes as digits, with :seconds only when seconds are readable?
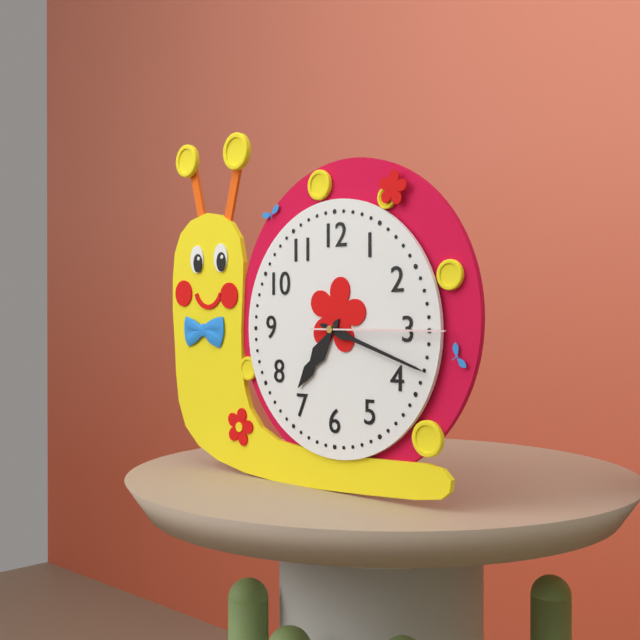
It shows 7:18:15
